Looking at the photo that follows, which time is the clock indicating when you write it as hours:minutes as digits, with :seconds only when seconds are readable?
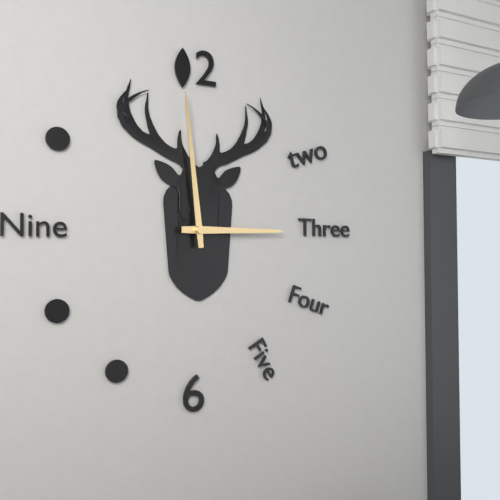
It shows 2:59
